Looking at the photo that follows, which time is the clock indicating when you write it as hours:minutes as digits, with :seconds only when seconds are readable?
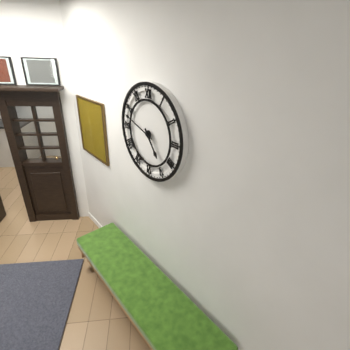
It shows 4:48
